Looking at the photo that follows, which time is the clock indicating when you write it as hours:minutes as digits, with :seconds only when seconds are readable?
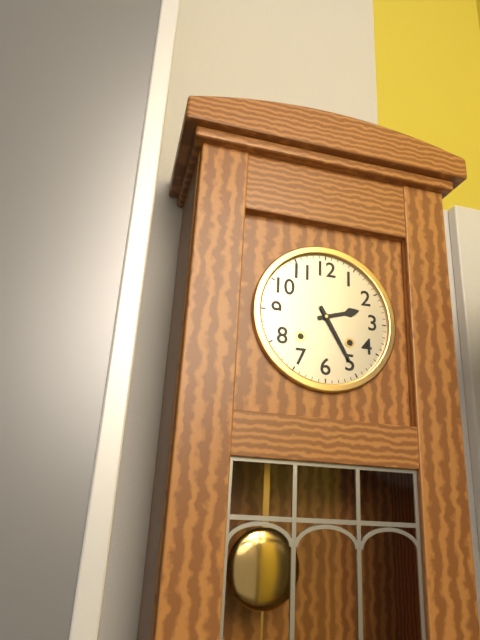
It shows 2:25
